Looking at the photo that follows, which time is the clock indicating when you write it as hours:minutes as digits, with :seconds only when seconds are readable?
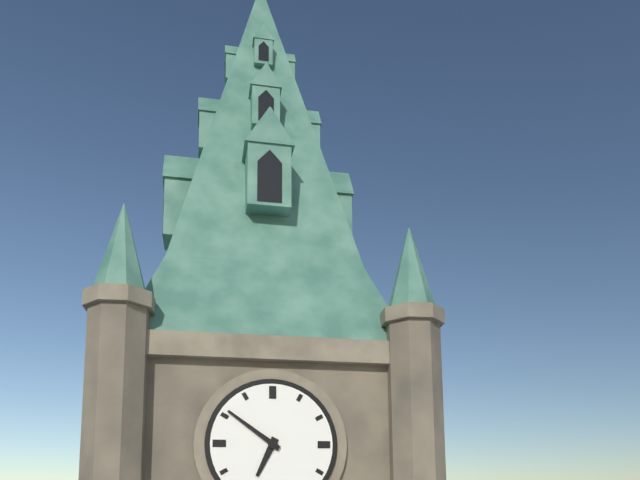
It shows 6:51
